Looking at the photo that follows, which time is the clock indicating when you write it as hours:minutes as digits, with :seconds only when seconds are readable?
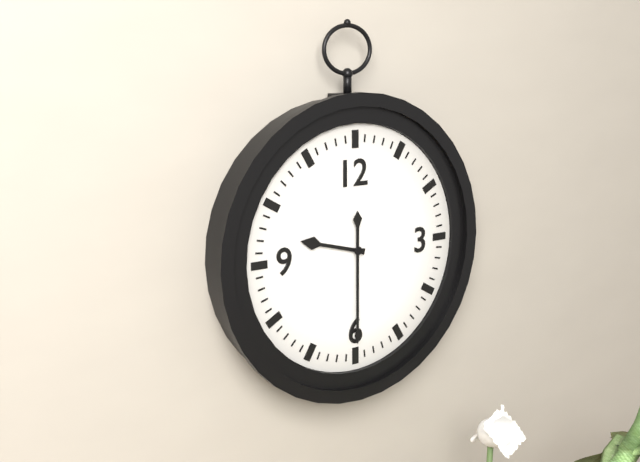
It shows 9:30
